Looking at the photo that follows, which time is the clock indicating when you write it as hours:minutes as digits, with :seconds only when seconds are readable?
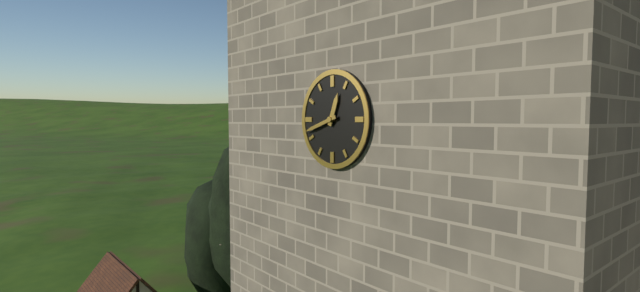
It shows 12:42
